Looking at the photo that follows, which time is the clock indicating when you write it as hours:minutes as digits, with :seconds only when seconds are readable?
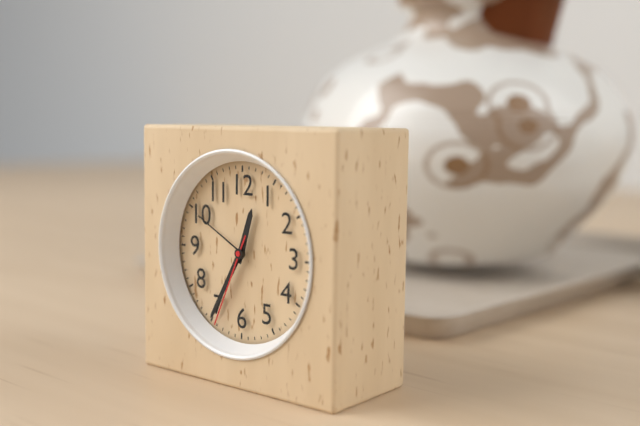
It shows 12:35:34
